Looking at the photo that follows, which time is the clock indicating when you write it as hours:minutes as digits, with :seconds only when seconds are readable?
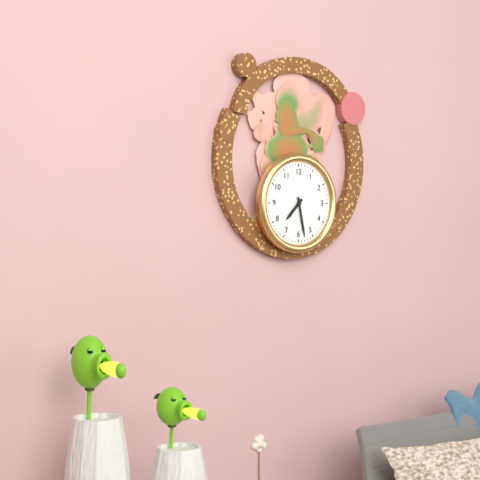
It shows 7:28
